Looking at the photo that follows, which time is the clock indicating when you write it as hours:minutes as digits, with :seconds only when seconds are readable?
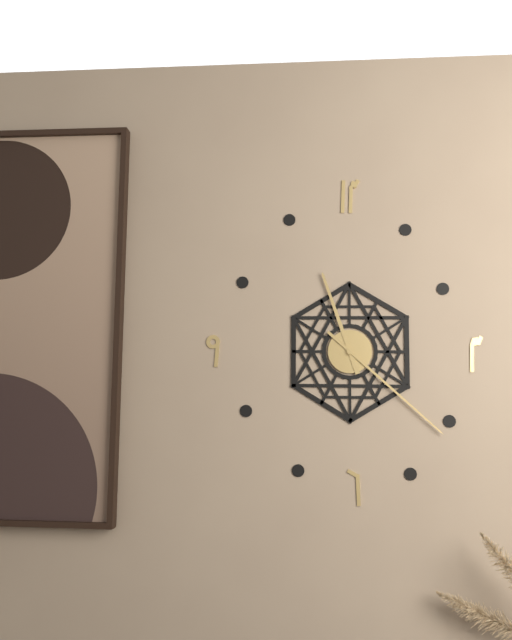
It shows 11:22
